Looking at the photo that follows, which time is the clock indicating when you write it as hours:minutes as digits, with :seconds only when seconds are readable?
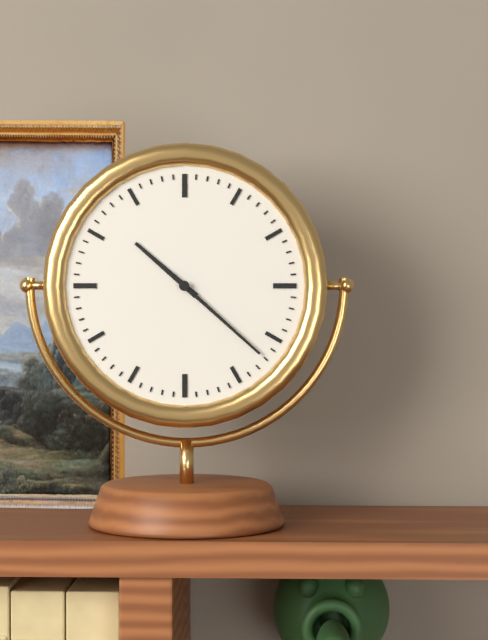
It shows 10:22
